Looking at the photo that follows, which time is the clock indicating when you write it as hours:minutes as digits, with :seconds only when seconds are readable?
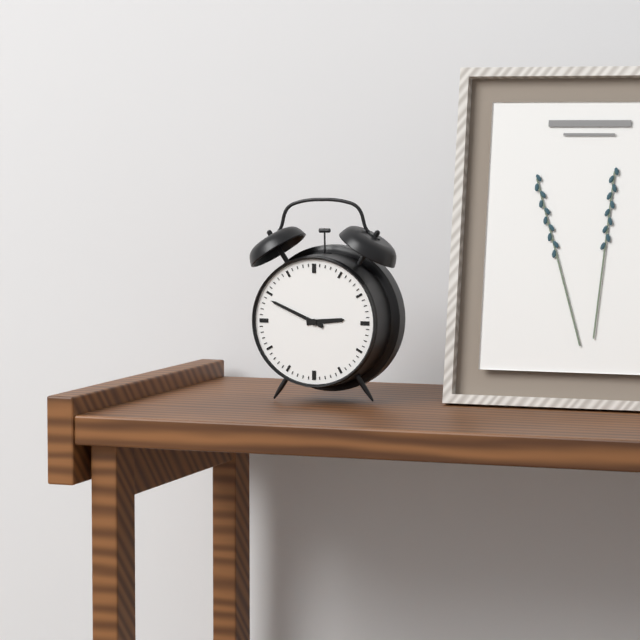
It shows 2:49
